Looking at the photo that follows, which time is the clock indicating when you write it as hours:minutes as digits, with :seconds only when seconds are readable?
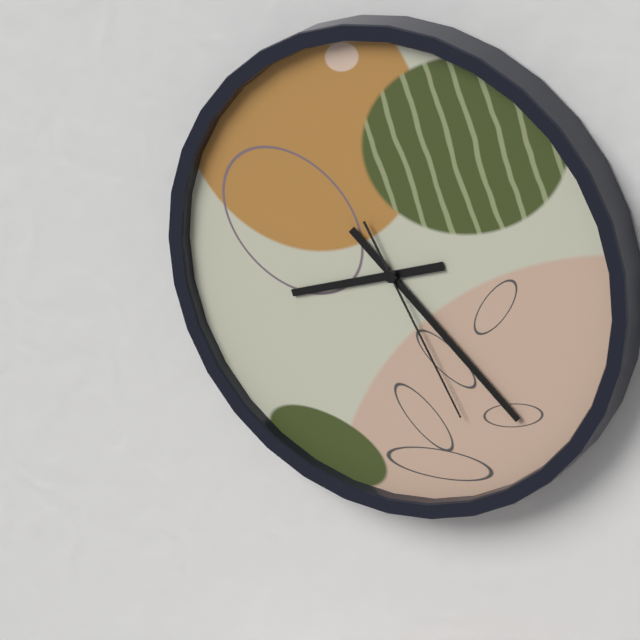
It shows 8:22:25
